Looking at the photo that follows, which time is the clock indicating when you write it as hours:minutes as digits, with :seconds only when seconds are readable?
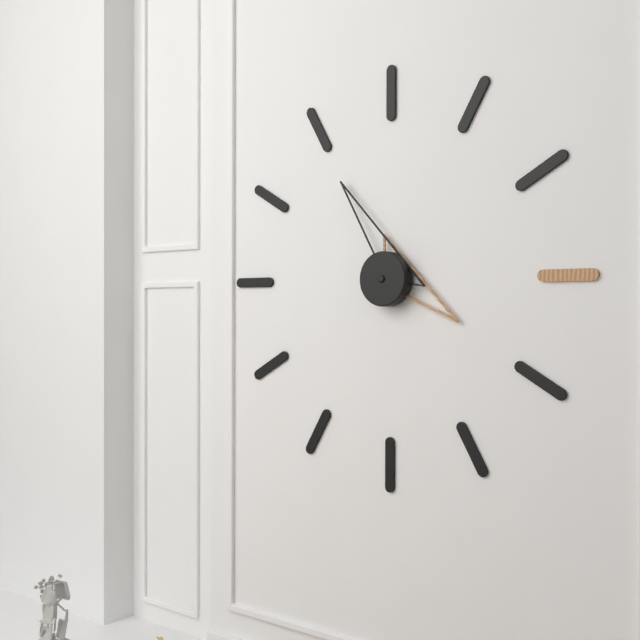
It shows 3:55
